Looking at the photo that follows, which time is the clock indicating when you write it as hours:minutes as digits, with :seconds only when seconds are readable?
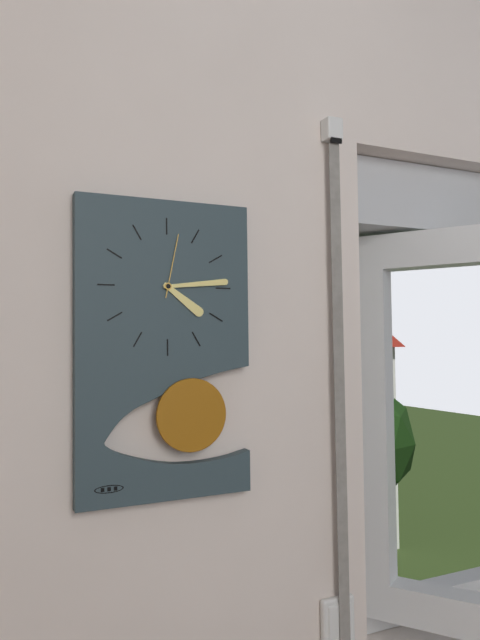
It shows 4:14:02
